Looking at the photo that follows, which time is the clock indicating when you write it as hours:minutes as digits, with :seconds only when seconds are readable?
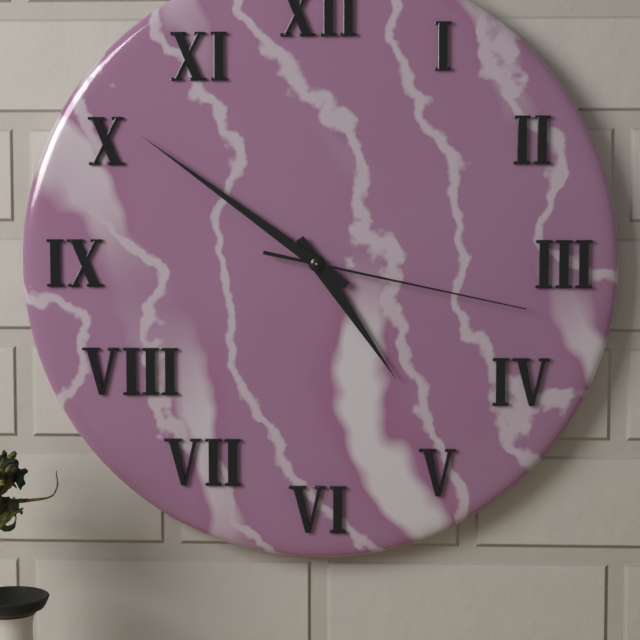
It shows 4:51:17
